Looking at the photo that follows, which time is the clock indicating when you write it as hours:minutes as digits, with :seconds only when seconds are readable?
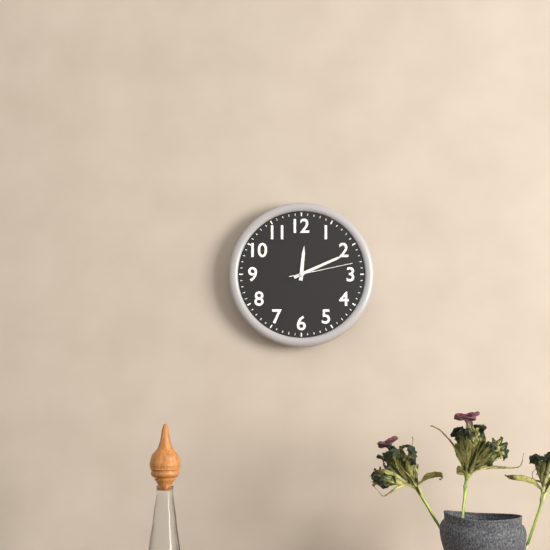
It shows 12:11:13
